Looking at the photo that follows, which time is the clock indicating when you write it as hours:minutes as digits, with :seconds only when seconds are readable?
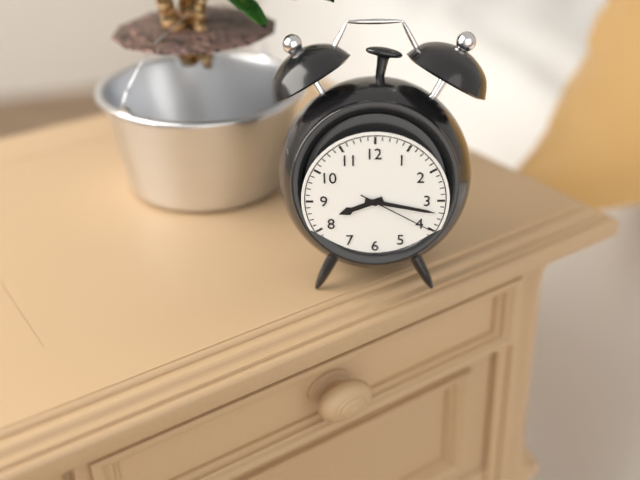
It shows 8:17:20
